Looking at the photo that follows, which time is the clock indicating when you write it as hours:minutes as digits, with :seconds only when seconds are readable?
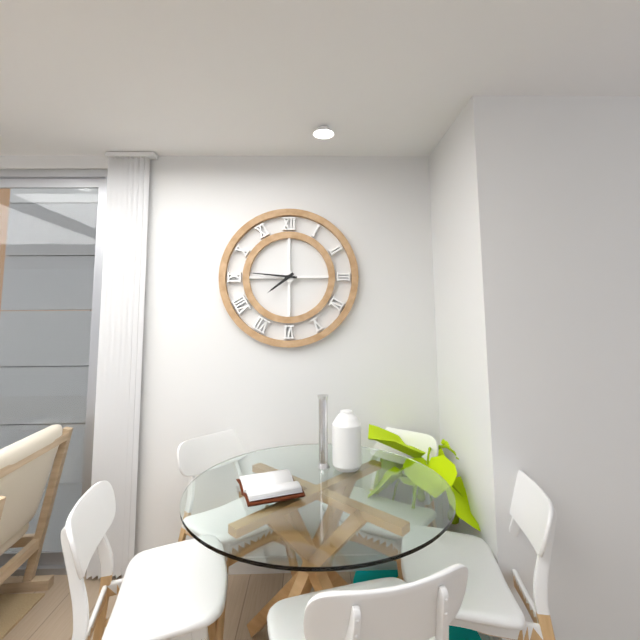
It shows 7:46
